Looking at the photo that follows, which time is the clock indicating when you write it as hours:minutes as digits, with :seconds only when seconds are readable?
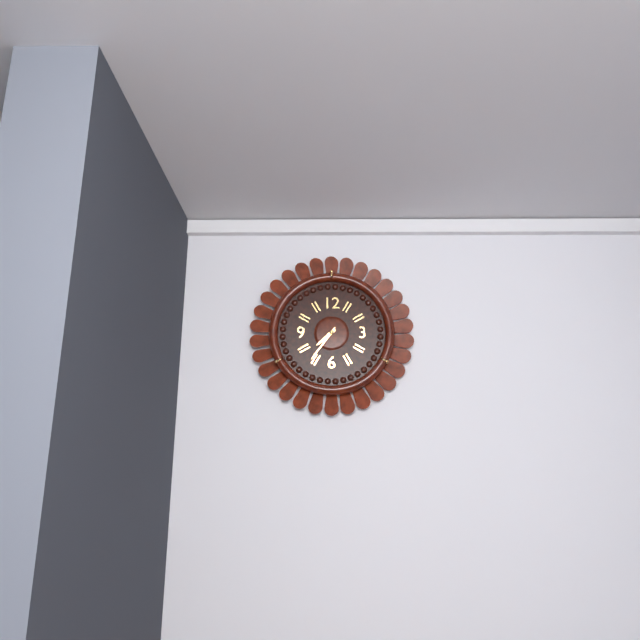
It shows 7:36
